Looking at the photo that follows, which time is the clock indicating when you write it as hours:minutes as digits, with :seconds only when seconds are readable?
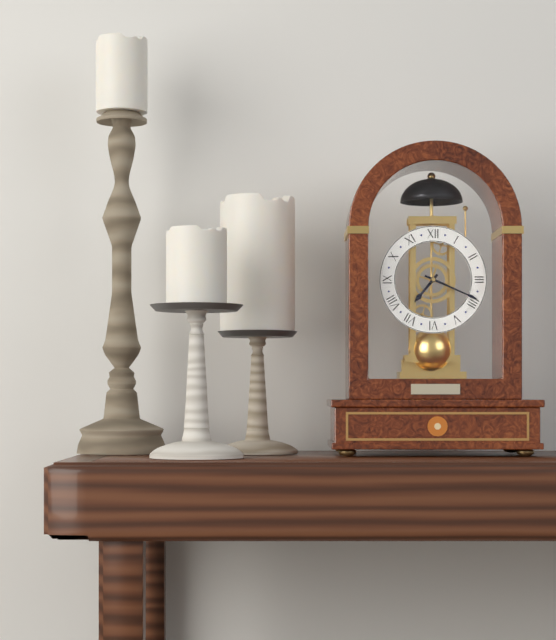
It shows 7:19
